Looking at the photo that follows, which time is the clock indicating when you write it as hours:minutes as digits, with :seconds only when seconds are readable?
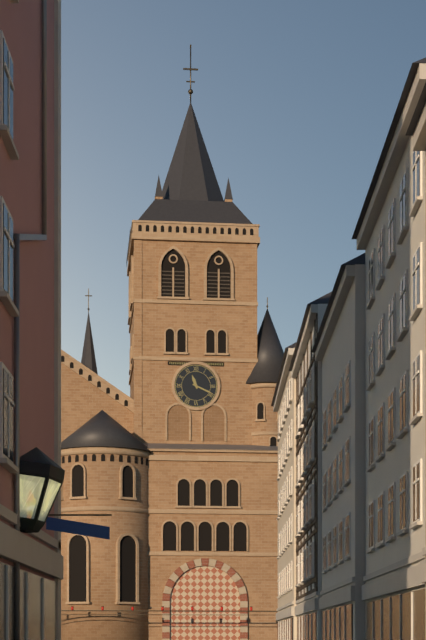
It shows 11:19
